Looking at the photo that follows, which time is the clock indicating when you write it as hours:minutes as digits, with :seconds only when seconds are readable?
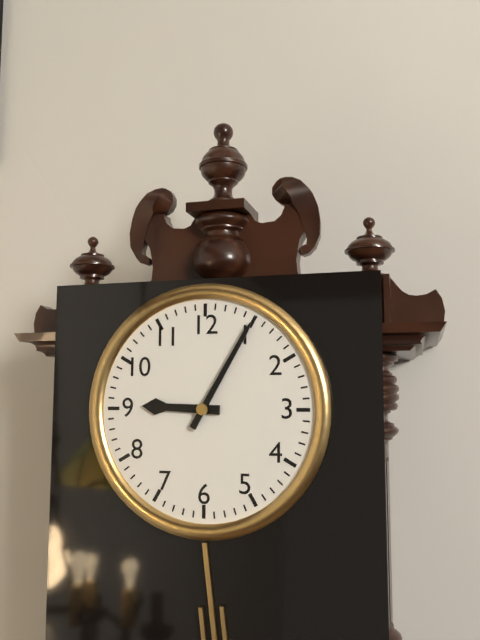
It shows 9:05
